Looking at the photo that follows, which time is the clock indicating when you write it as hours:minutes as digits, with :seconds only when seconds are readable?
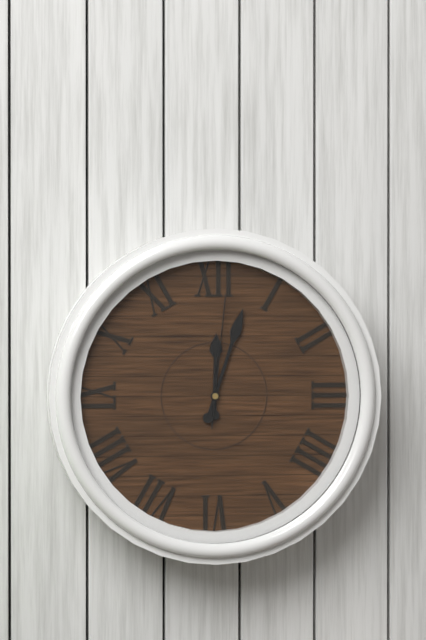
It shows 12:03:01
